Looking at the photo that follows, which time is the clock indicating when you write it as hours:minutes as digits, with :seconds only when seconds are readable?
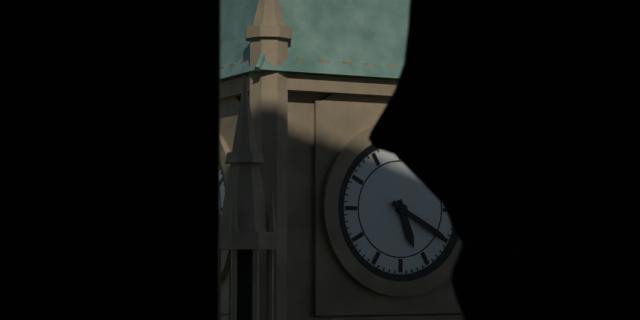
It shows 5:20
